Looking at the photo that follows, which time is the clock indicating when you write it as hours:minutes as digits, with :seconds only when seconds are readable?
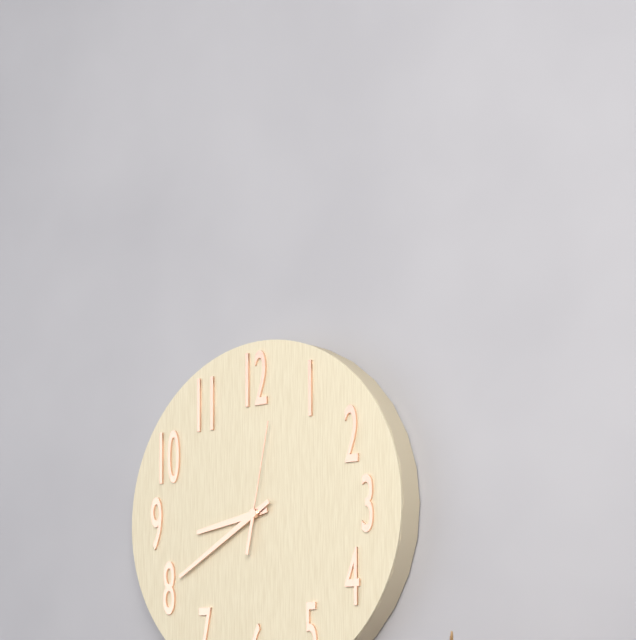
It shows 8:40:02
